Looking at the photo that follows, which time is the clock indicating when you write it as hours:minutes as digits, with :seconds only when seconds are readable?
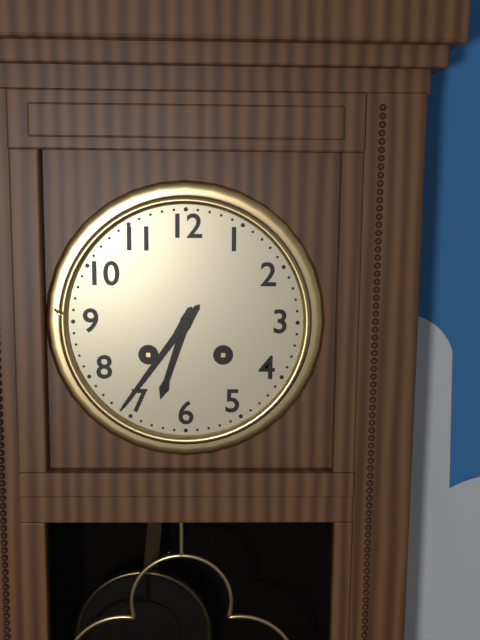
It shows 6:36
